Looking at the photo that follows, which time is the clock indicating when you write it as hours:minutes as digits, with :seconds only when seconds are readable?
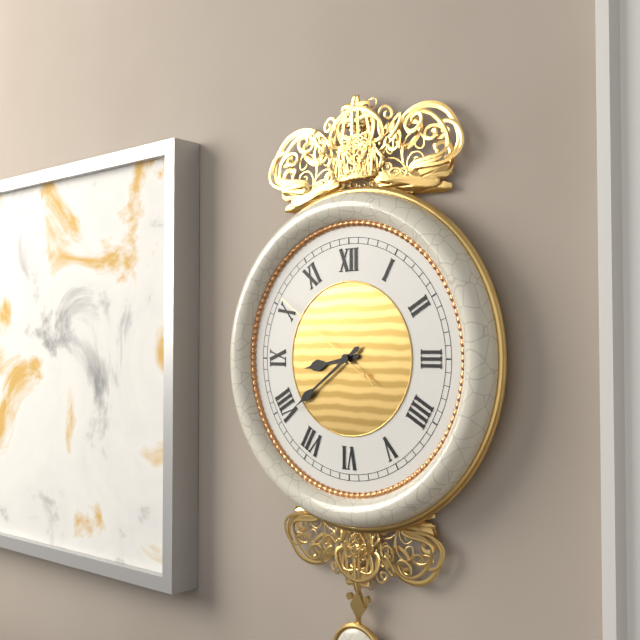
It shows 8:39:51
